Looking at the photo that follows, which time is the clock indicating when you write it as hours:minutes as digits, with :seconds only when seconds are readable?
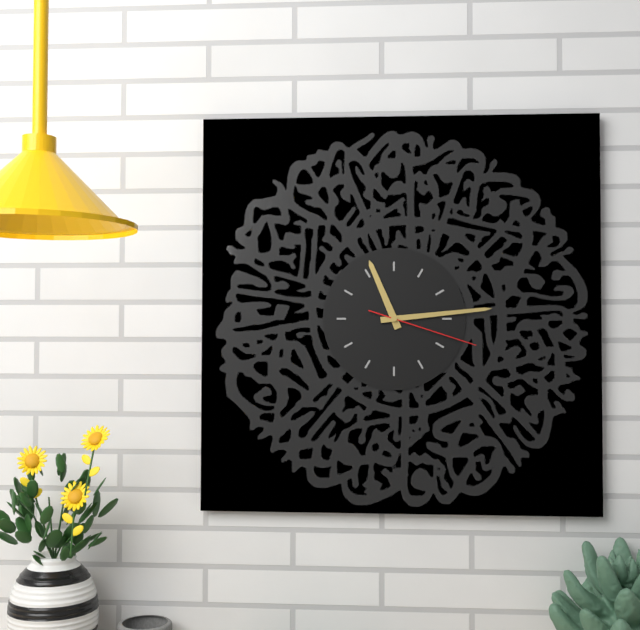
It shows 11:14:18
